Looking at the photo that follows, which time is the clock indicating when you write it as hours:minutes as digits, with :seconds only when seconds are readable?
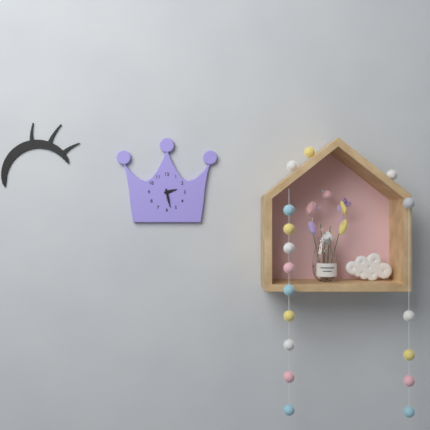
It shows 2:28
